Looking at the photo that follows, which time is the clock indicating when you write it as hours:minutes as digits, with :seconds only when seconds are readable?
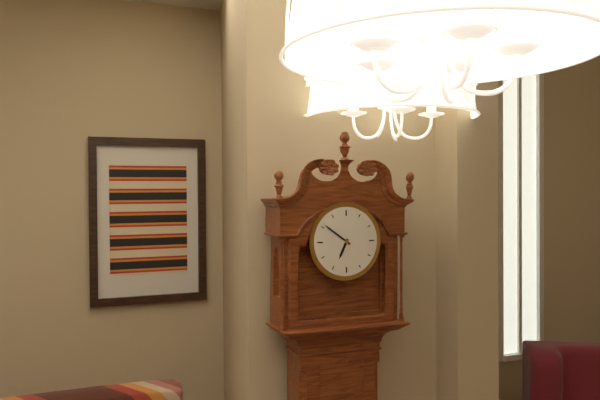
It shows 6:51
